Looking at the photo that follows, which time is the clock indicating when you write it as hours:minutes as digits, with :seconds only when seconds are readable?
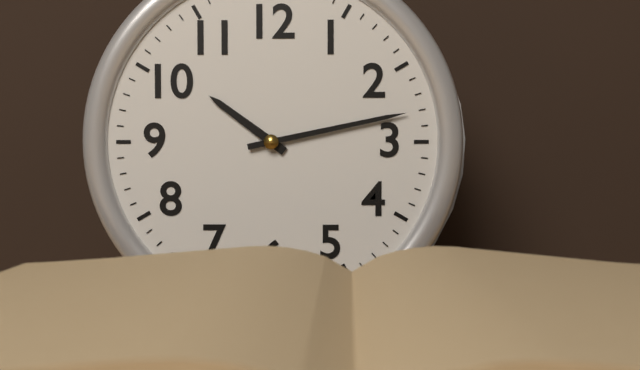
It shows 10:13
